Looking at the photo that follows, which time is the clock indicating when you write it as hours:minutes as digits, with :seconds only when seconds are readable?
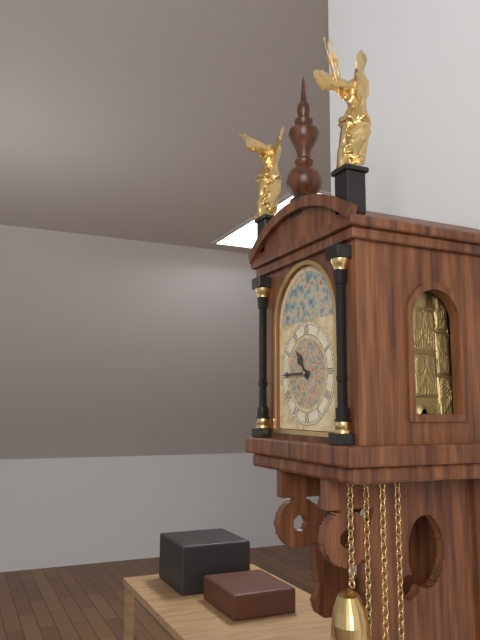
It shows 10:45
